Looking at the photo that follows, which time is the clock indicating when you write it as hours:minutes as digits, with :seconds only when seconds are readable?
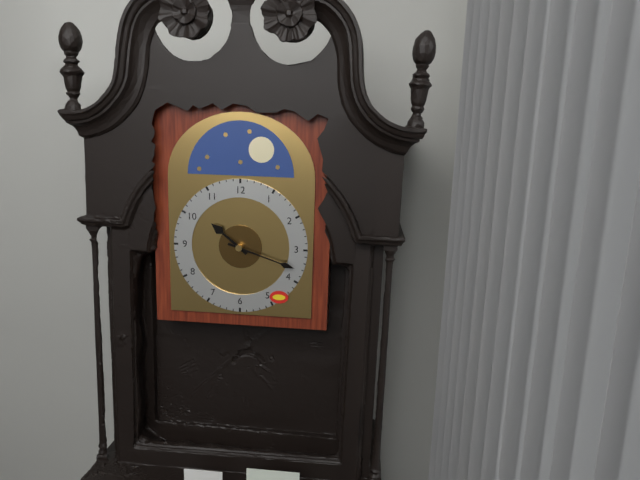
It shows 10:18
